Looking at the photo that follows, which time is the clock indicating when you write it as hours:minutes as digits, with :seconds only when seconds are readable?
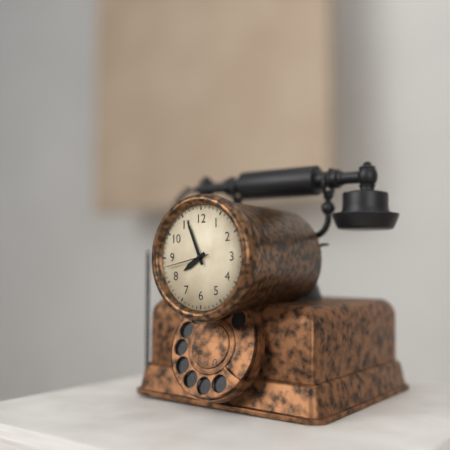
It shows 7:56
